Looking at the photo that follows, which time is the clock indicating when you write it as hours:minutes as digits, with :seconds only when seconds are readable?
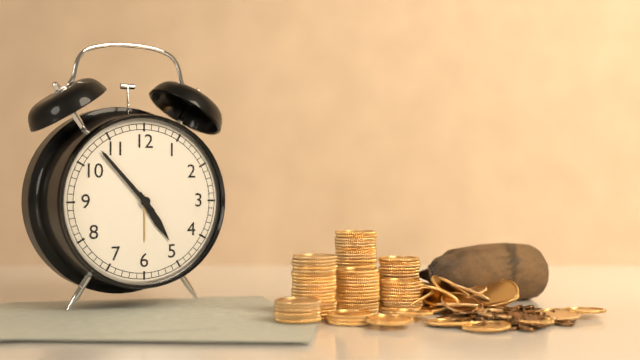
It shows 4:53
